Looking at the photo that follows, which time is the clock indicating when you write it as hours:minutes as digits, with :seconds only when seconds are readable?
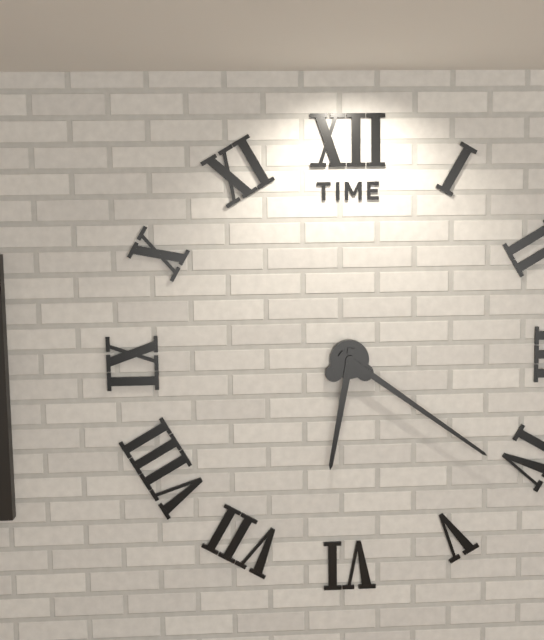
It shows 6:21
